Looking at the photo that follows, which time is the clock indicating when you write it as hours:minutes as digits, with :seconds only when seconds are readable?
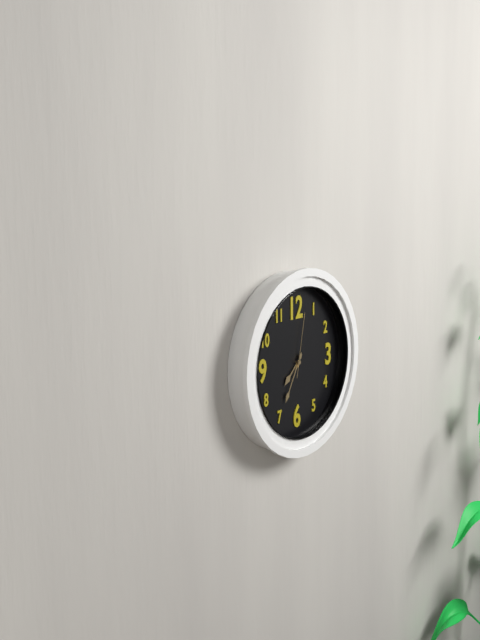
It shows 7:35:02
